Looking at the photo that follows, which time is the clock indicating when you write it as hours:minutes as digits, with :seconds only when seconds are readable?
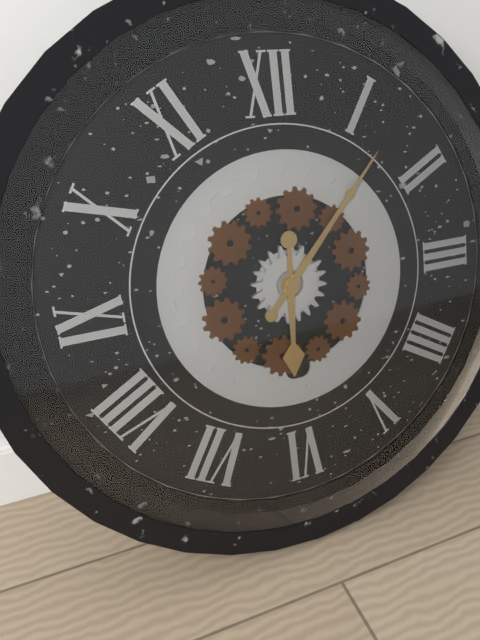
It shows 6:07
